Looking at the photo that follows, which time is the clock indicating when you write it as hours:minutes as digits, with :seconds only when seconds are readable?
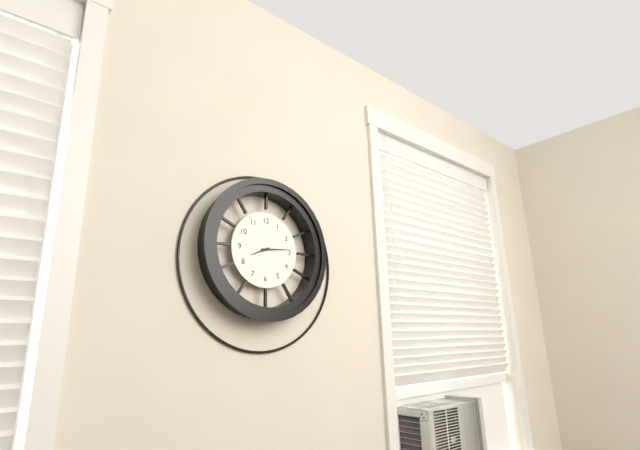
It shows 8:14
